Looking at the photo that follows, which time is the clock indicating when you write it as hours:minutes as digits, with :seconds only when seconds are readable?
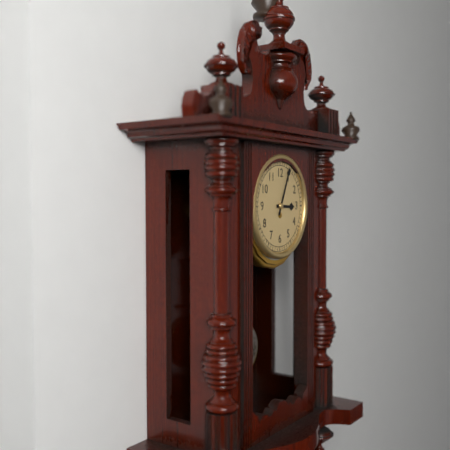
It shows 3:04
